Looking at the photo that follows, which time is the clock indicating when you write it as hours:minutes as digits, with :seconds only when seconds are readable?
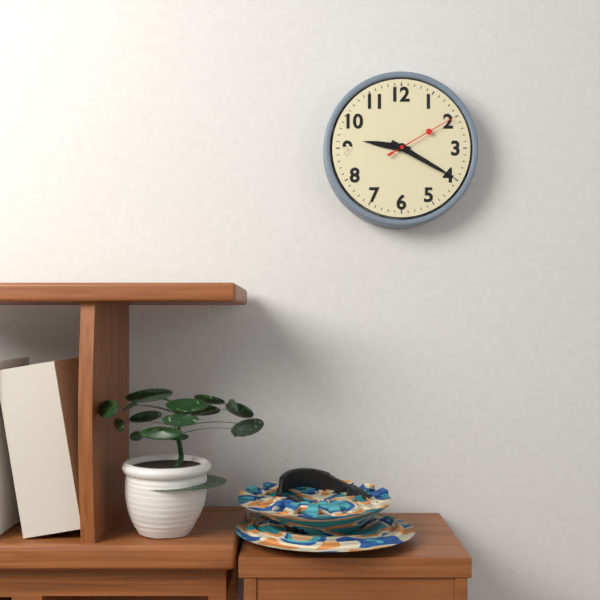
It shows 9:20:10
